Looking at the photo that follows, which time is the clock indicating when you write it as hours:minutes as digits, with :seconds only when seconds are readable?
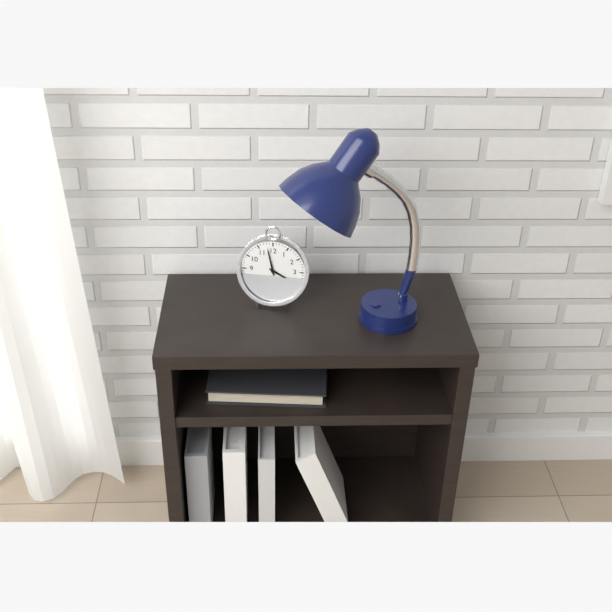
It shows 3:58
